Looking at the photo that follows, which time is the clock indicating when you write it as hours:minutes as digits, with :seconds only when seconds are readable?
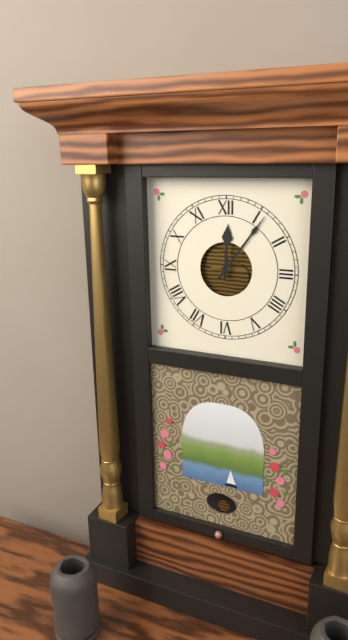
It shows 12:06
